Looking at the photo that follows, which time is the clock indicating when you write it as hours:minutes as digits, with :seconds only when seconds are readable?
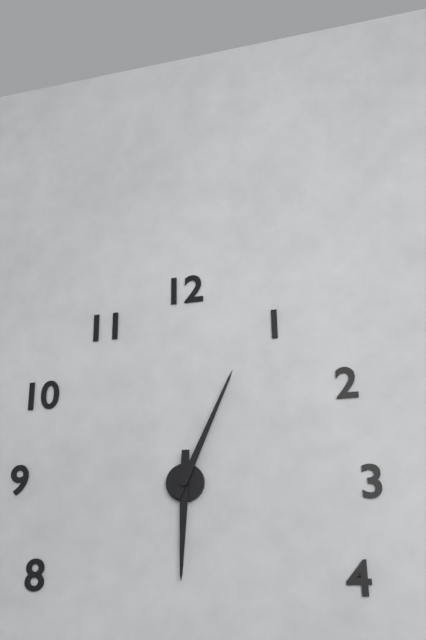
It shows 6:04
